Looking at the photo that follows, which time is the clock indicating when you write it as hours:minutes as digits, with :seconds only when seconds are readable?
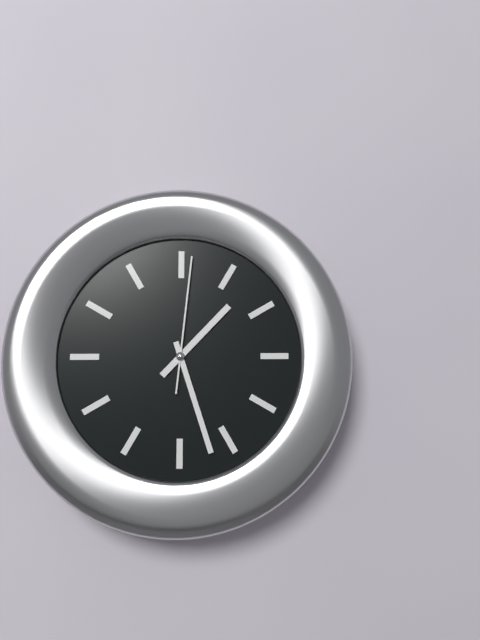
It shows 1:27:01
